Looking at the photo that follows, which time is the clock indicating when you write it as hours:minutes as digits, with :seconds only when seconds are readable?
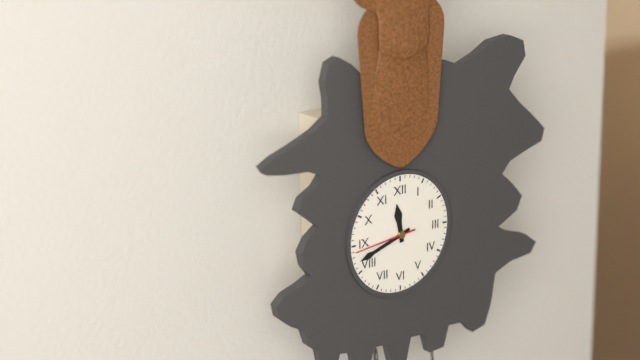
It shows 11:42:44
